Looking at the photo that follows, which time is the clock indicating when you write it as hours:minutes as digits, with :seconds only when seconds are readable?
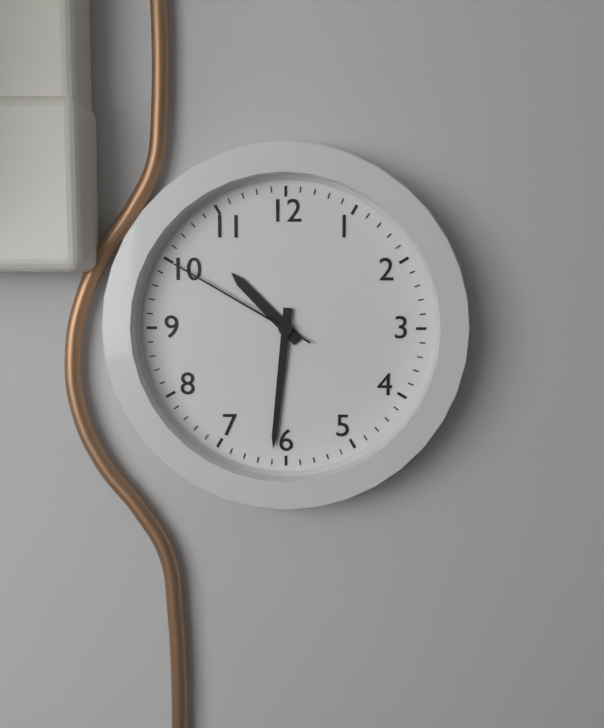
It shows 10:31:50
